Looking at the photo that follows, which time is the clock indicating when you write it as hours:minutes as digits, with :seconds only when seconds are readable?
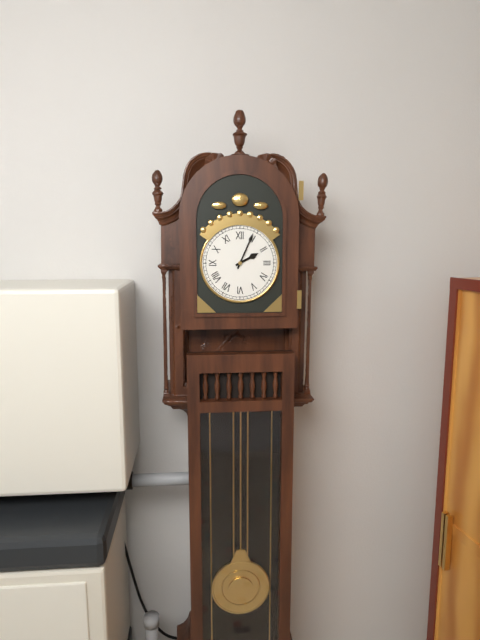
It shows 2:04
